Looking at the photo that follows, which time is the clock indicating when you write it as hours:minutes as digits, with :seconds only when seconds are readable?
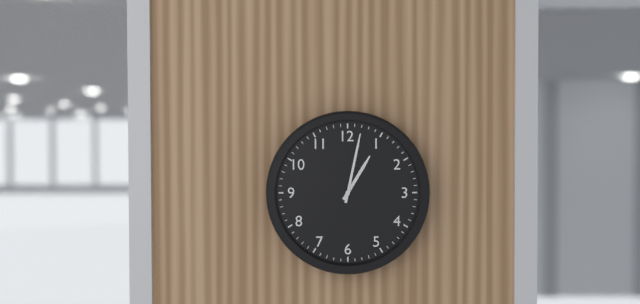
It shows 1:02
